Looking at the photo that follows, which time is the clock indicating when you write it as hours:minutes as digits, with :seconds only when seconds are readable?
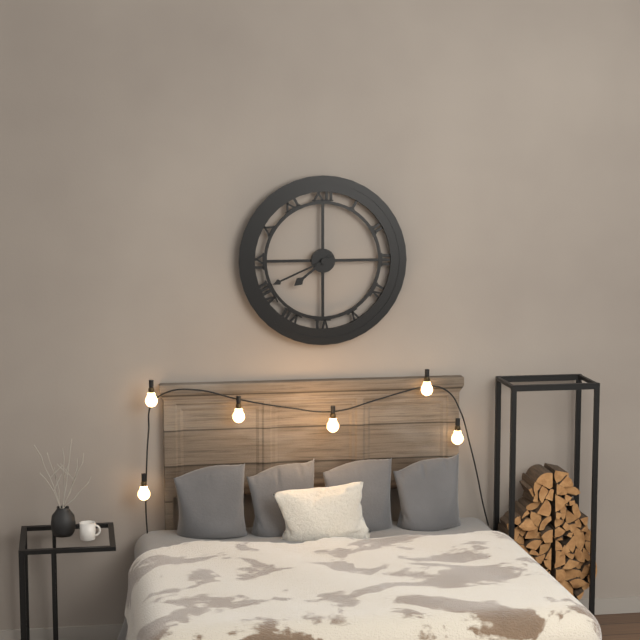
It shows 7:41
